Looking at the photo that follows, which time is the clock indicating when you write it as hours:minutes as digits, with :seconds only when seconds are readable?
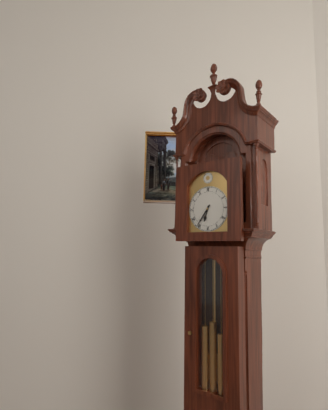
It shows 6:36
